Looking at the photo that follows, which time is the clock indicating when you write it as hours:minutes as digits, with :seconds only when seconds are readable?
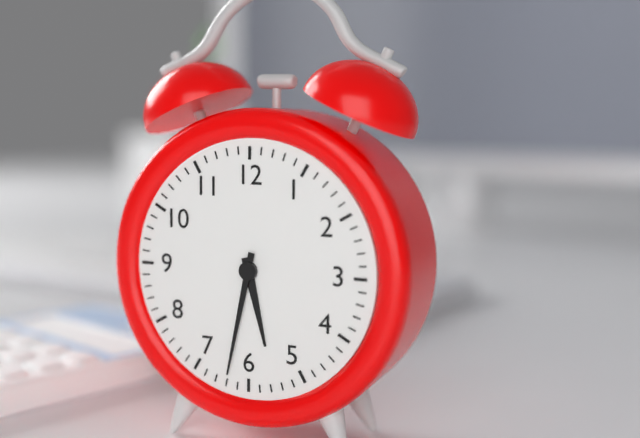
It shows 5:32
